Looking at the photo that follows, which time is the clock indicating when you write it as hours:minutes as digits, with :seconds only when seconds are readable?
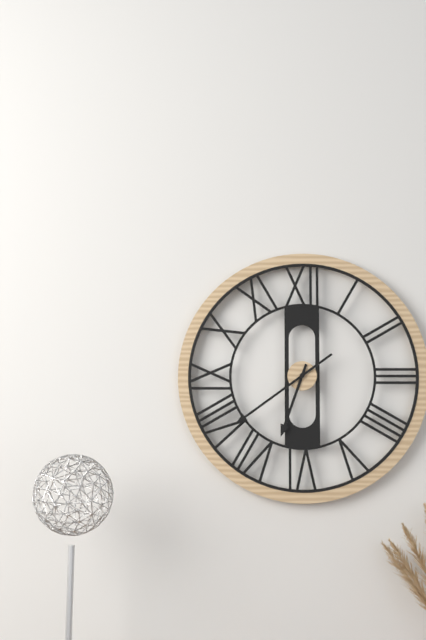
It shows 6:39
